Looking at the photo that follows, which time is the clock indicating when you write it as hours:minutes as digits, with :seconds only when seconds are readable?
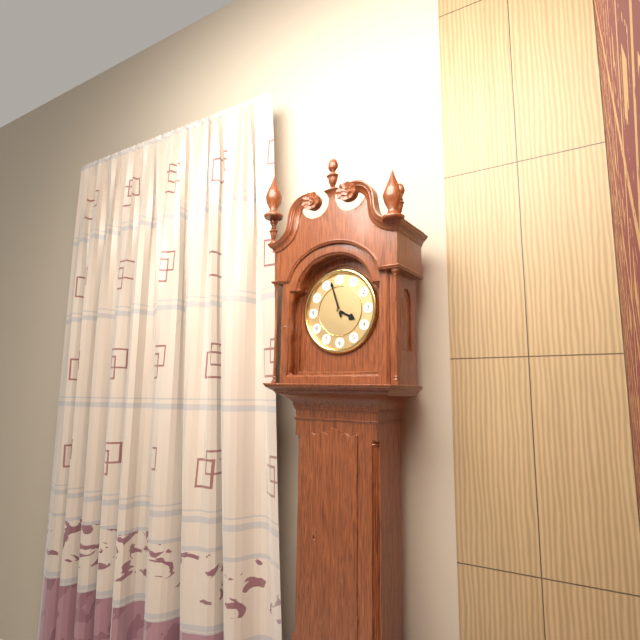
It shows 3:57
